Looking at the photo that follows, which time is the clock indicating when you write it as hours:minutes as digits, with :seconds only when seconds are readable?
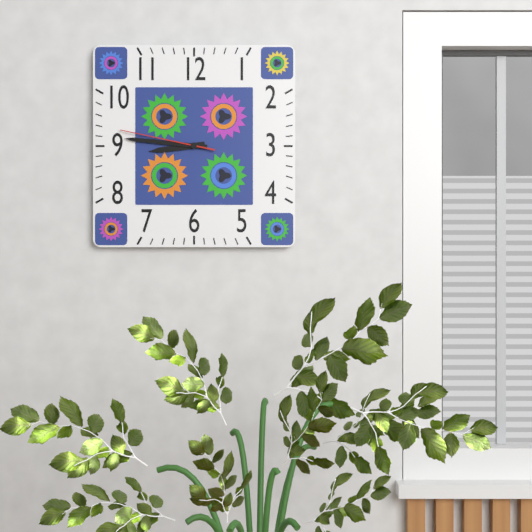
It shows 8:46:47
